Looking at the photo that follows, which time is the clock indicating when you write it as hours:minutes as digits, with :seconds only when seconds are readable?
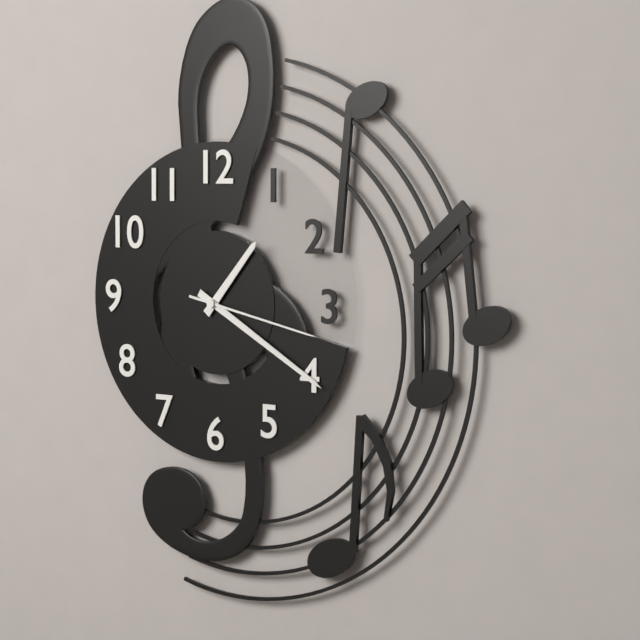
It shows 1:20:17
